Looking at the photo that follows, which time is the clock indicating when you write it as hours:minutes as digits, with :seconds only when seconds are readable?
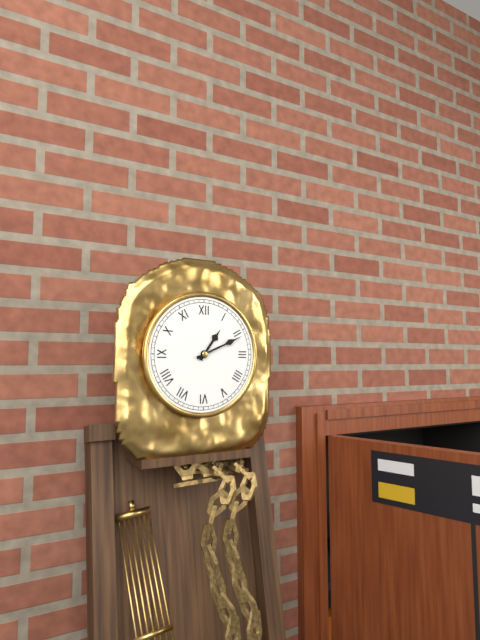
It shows 1:11
